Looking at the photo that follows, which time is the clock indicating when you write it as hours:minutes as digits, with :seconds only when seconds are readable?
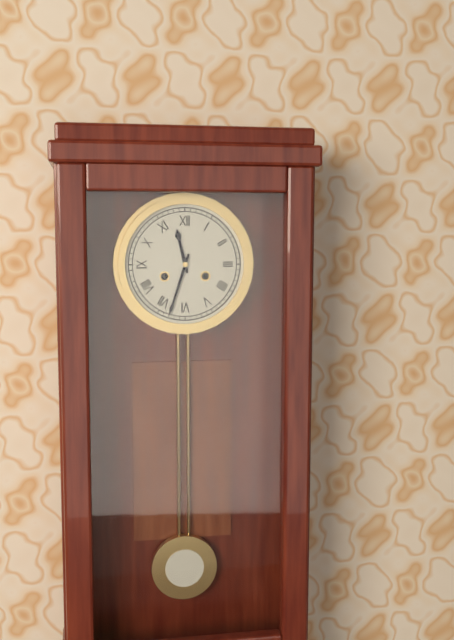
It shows 11:33
